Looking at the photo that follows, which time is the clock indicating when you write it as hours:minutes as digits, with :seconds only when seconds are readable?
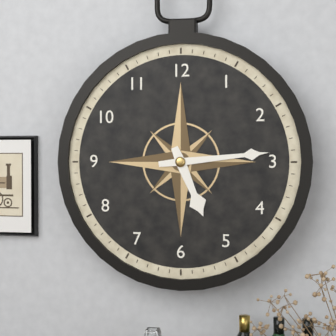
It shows 5:14
